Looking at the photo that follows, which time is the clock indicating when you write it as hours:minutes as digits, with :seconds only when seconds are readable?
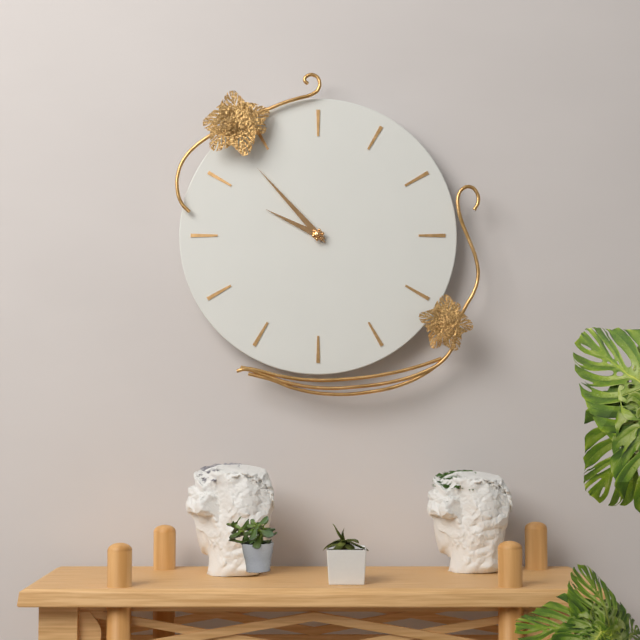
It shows 9:53
